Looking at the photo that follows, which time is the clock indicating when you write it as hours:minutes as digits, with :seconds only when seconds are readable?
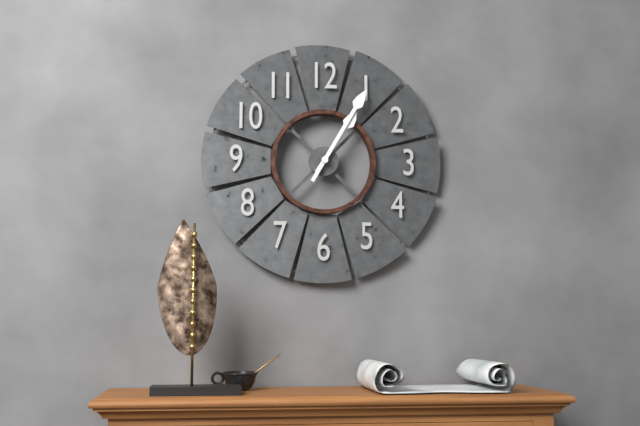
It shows 1:05
